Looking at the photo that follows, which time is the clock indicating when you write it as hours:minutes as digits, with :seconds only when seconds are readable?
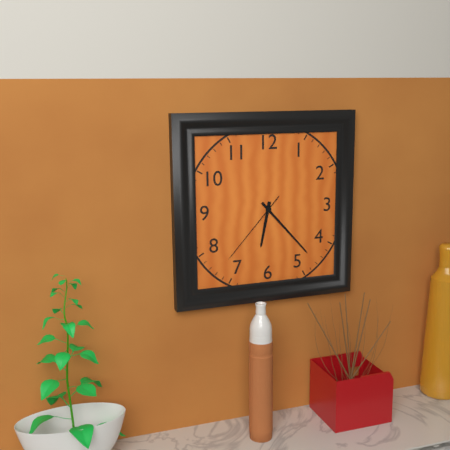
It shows 6:23:37
